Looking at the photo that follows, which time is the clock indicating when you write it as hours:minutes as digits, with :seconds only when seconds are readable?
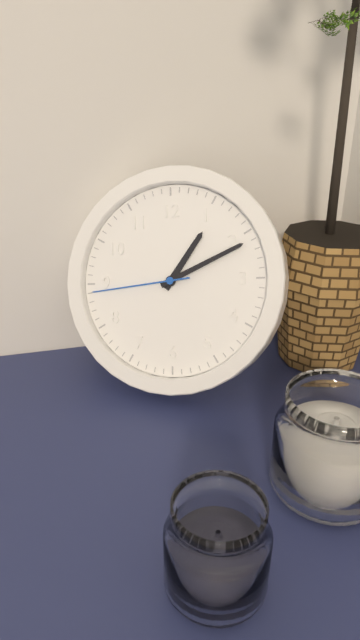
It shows 1:11:44
